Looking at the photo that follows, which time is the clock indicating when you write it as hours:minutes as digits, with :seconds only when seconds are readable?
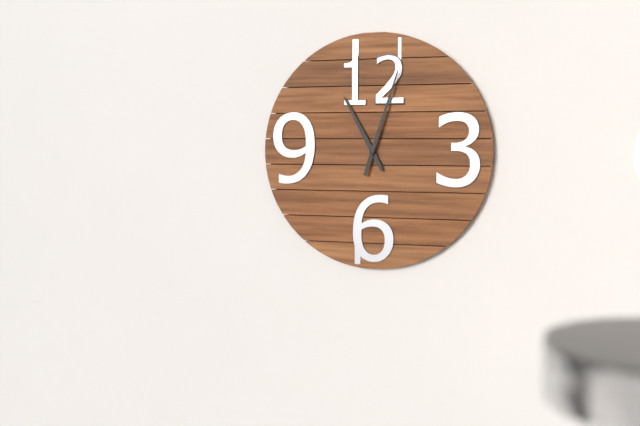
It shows 11:03
